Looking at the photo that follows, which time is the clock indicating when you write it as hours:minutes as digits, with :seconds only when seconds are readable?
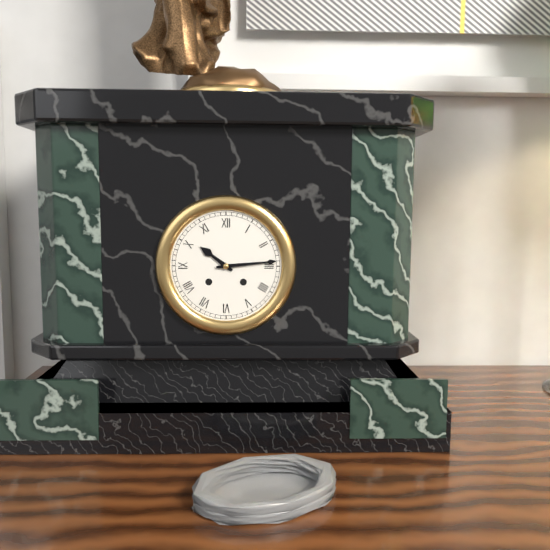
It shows 10:14
